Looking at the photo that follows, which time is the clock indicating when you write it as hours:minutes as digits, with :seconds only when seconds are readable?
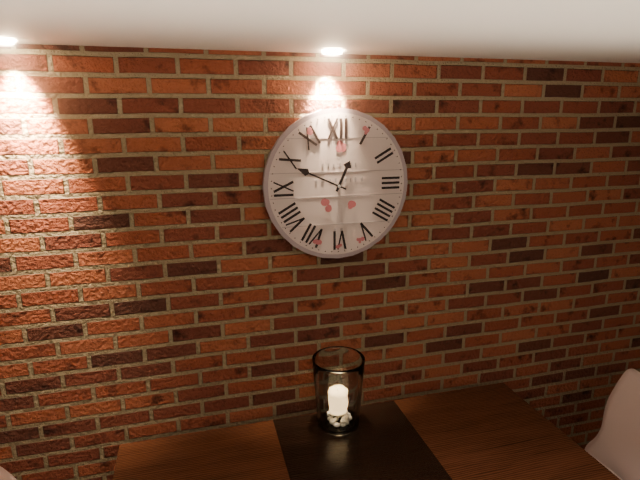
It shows 12:49
